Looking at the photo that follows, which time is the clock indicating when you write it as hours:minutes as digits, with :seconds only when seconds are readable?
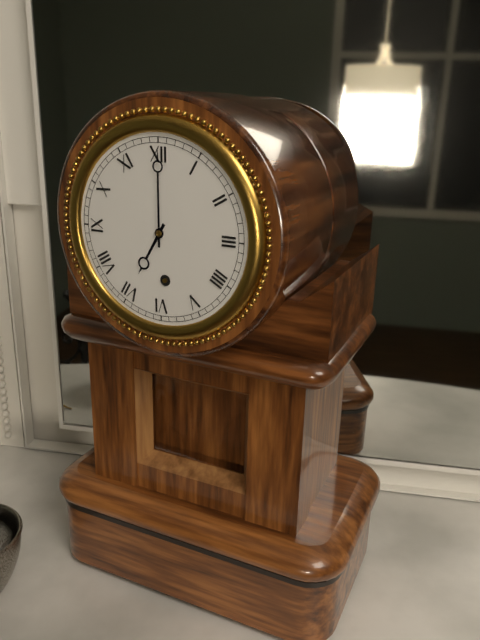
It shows 7:00
